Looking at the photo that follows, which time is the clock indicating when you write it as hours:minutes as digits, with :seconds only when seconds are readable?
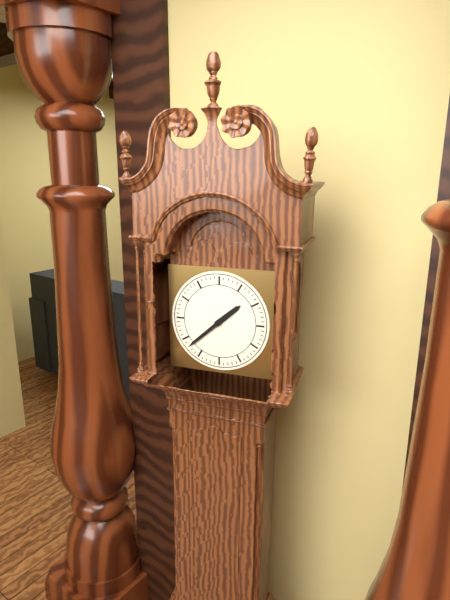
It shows 1:38
